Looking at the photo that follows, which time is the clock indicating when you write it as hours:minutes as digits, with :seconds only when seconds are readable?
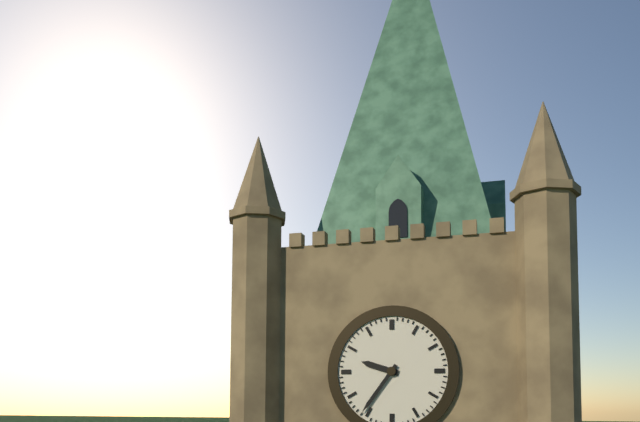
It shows 9:36
